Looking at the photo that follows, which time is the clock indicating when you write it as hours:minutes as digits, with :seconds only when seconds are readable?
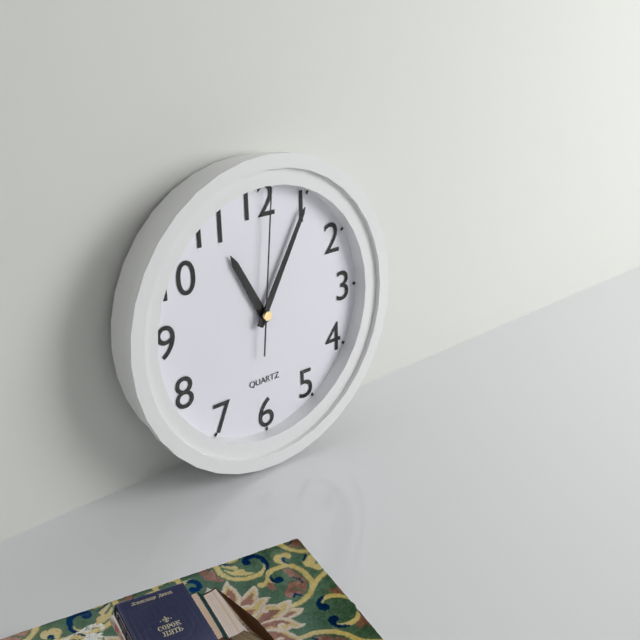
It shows 11:05:01
